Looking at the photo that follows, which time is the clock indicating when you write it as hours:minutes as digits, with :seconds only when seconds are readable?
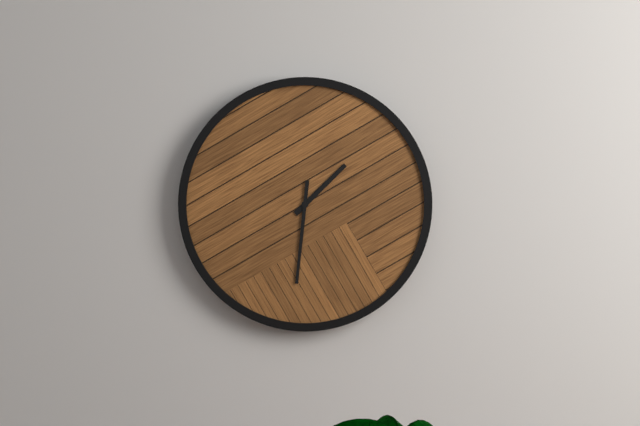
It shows 1:31
